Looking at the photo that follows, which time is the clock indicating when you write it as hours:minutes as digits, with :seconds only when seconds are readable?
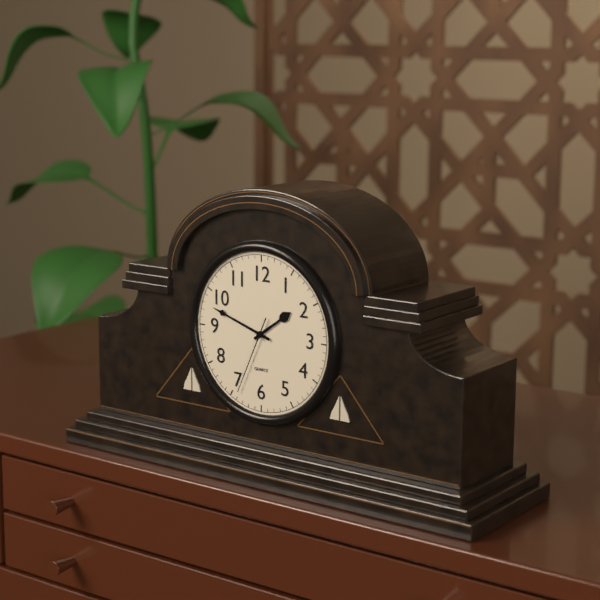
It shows 1:48:34
